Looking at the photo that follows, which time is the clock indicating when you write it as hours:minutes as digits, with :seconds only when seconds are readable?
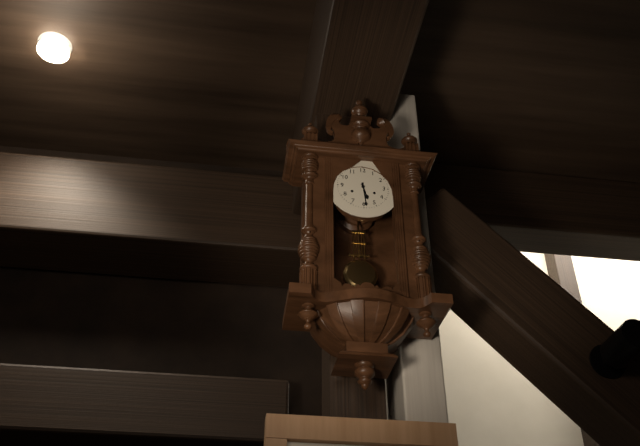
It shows 5:29
